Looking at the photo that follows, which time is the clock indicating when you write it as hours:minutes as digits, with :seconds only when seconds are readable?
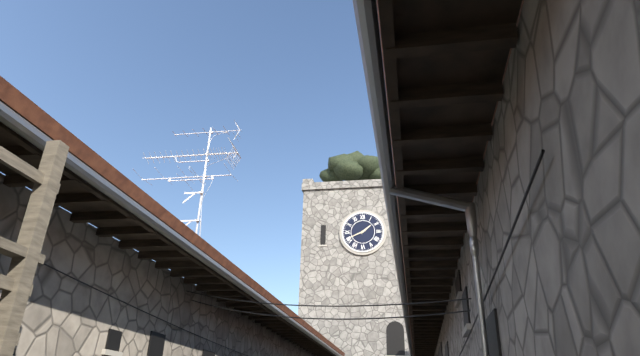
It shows 1:41
